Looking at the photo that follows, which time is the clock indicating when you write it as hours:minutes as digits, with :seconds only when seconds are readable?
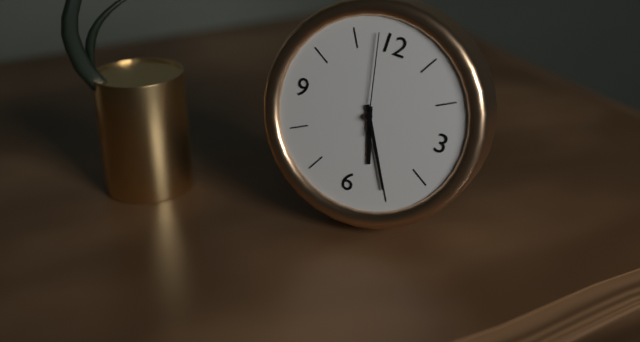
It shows 5:25:58
